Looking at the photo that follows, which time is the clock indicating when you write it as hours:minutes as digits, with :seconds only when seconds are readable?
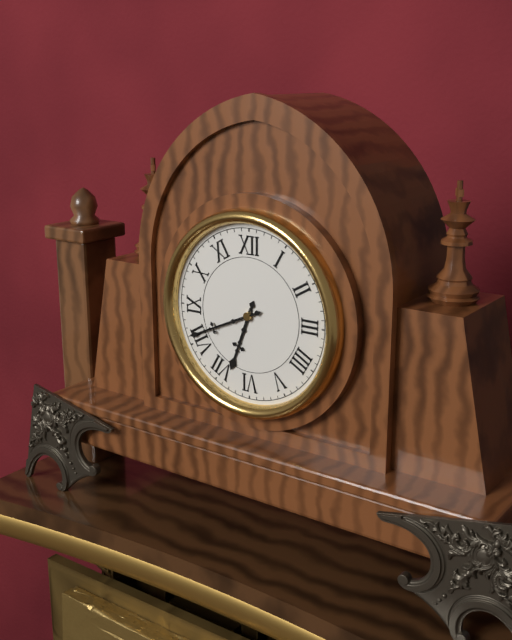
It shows 6:41
